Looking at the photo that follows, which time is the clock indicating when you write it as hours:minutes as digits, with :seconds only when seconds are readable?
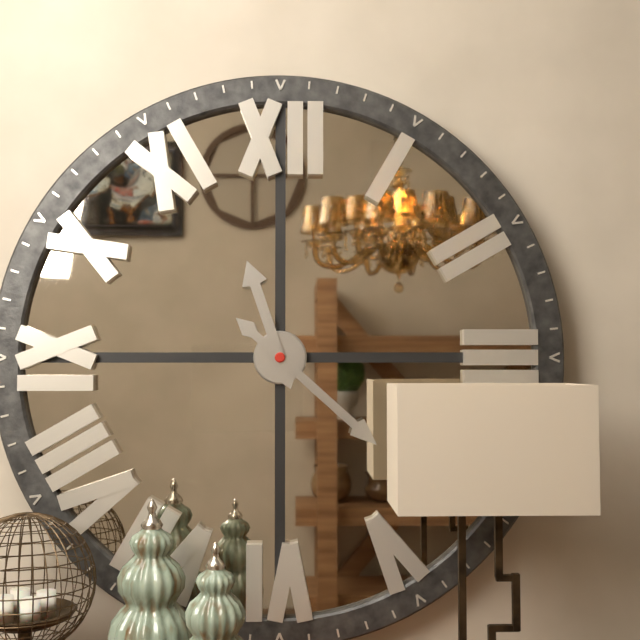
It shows 11:22
